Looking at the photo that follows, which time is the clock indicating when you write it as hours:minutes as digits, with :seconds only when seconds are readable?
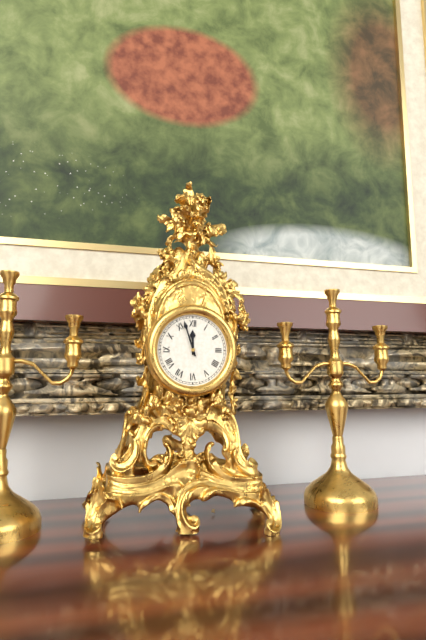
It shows 11:57
